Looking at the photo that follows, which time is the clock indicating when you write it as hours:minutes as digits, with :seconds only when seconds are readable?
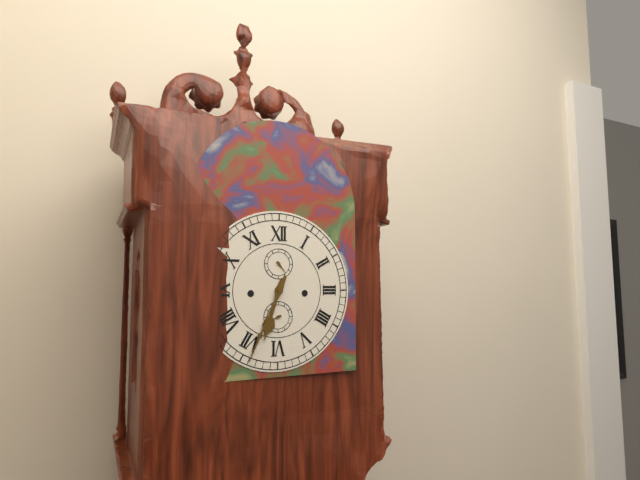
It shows 6:34
